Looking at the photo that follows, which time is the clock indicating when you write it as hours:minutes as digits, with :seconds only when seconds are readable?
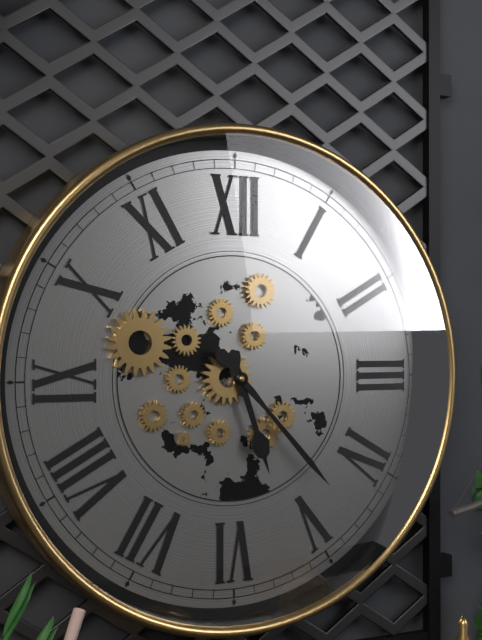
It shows 5:23
